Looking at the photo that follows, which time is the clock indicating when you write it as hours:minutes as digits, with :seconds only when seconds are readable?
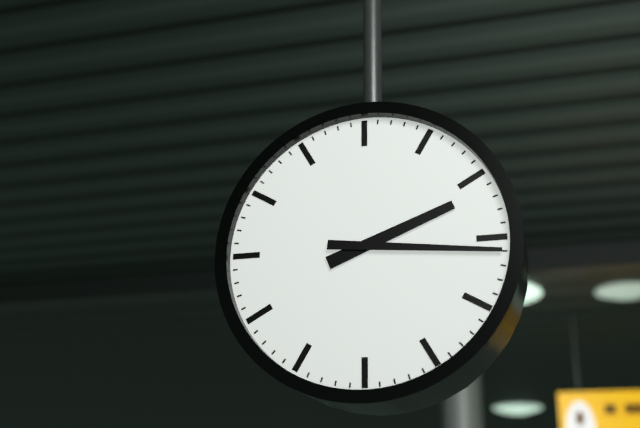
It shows 2:16
